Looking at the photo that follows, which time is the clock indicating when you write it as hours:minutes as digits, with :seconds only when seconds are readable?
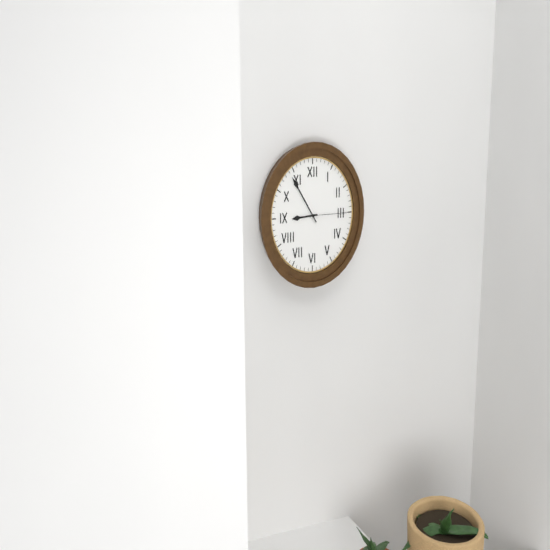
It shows 8:54
